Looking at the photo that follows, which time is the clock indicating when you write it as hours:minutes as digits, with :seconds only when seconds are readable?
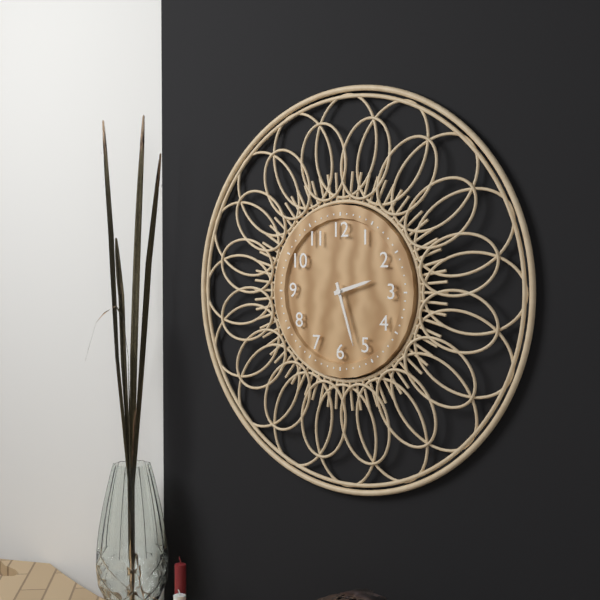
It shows 2:27
